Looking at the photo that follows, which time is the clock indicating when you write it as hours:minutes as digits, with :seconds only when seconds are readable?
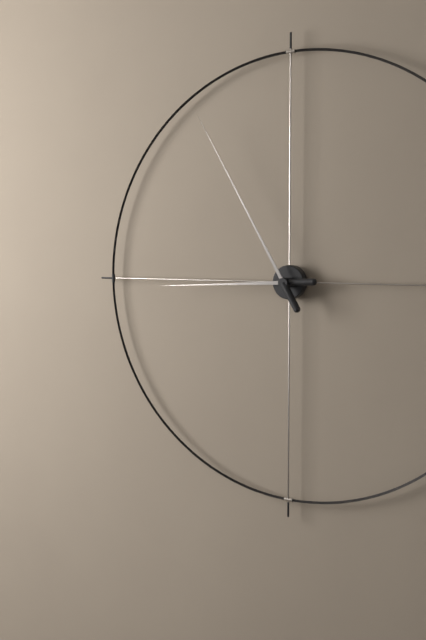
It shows 8:55
